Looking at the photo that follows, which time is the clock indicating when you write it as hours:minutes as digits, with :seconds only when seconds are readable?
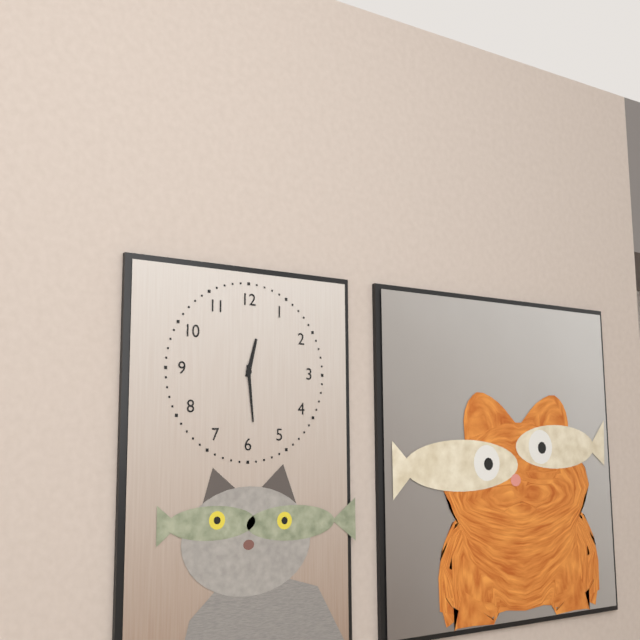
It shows 12:29
